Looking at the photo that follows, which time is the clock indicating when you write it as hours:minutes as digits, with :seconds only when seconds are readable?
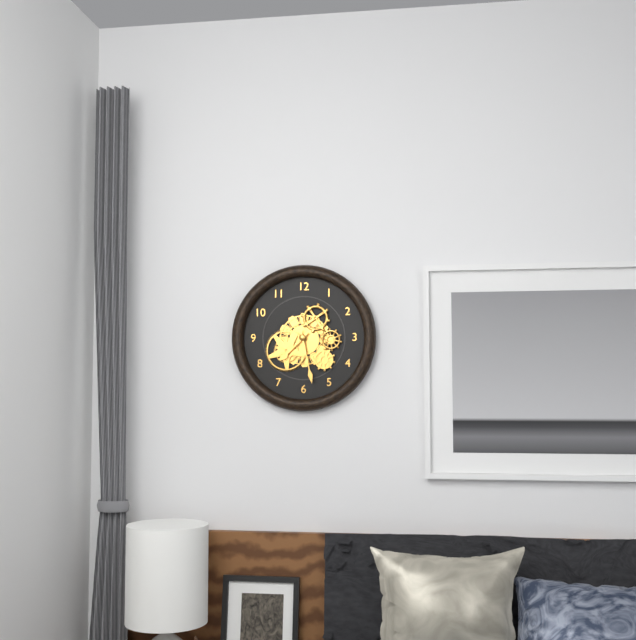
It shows 7:28
